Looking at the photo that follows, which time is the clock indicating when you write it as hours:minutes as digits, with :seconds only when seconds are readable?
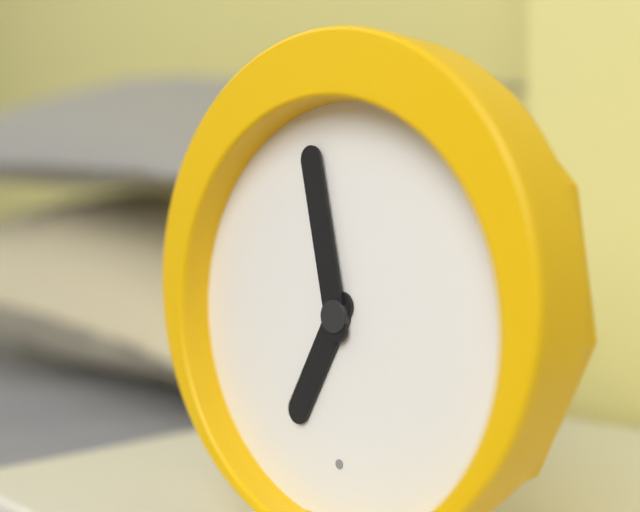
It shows 6:58
